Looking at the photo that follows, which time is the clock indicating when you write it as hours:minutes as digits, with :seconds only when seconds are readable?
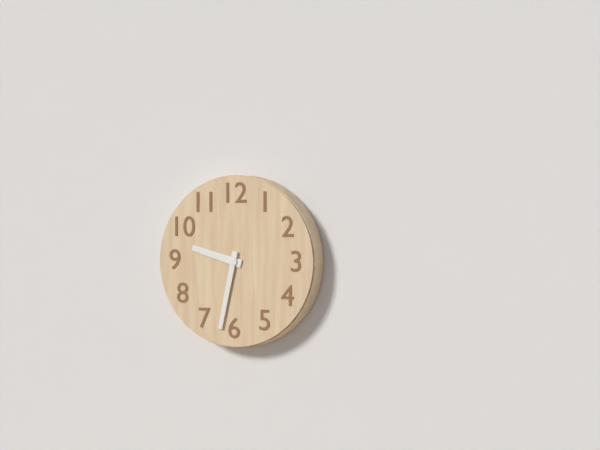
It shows 9:32
